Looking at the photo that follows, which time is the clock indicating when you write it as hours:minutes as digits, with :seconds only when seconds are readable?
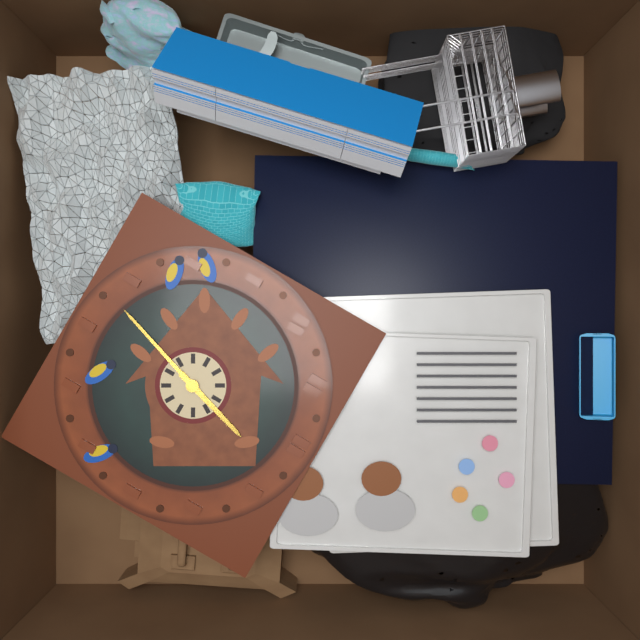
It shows 12:33
